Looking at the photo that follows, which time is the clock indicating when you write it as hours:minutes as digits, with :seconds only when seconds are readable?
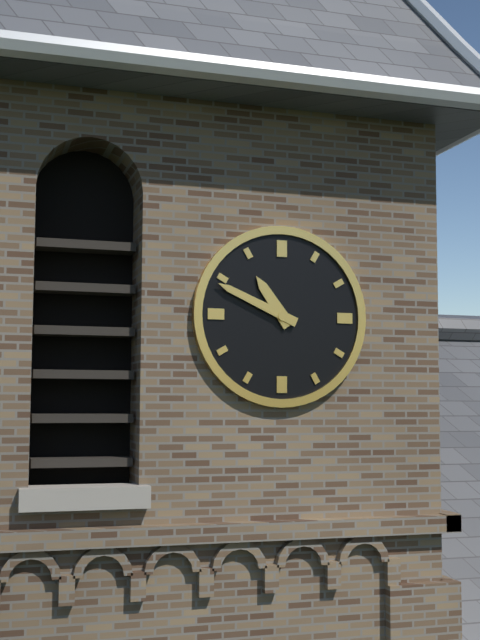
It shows 10:49
